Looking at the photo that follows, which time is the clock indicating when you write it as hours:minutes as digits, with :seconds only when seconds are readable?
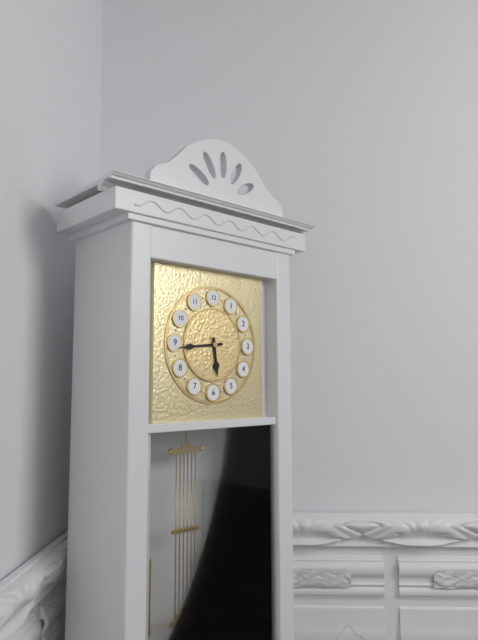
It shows 5:44
